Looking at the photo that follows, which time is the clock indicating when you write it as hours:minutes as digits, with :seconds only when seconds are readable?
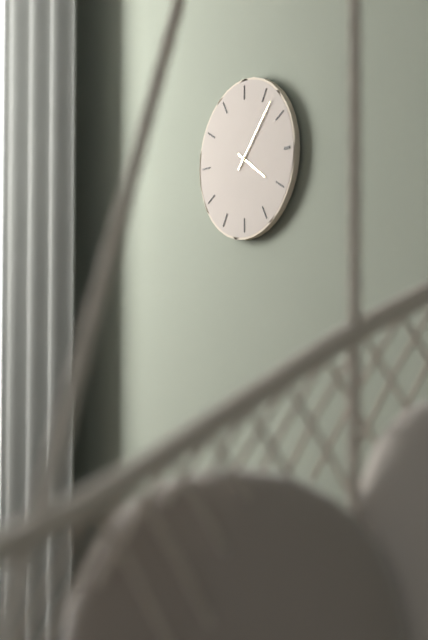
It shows 4:07
